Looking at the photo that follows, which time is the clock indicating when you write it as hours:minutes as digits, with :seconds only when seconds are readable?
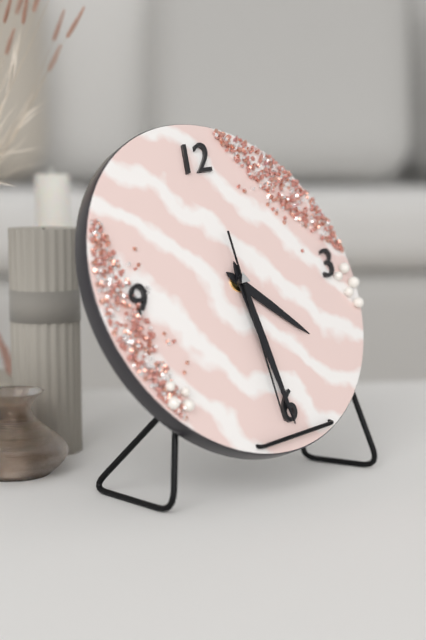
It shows 4:30:31
